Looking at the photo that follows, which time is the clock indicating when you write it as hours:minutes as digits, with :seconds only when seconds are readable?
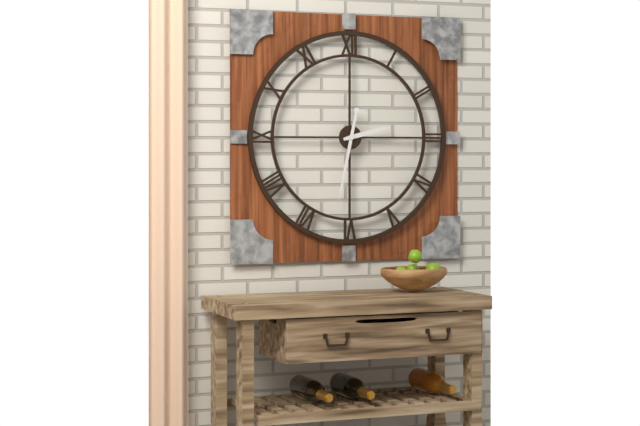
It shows 2:32
